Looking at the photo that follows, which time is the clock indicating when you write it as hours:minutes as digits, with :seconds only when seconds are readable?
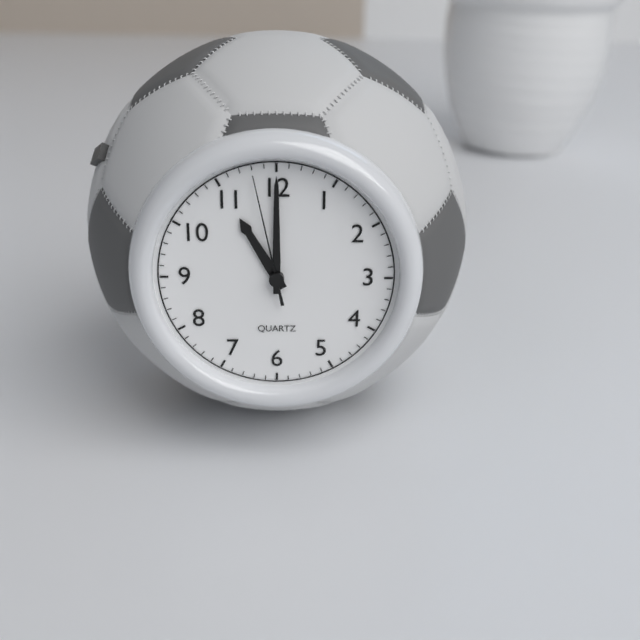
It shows 11:00:58
